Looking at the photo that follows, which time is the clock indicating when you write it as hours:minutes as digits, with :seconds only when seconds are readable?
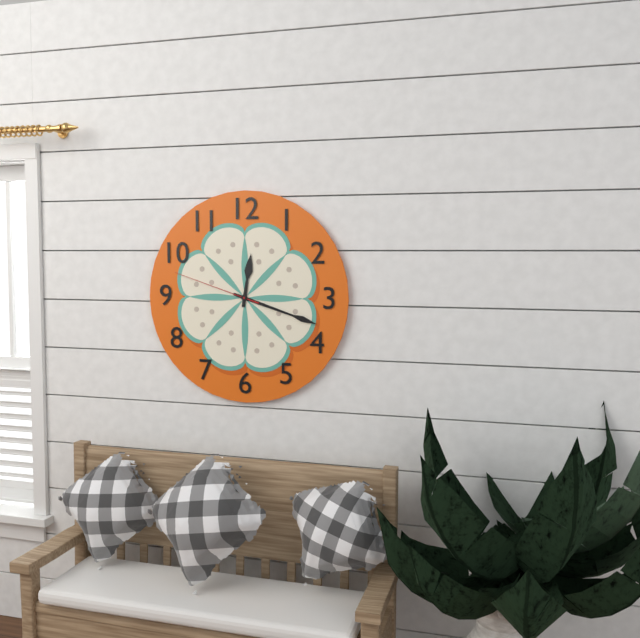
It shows 12:18:48
